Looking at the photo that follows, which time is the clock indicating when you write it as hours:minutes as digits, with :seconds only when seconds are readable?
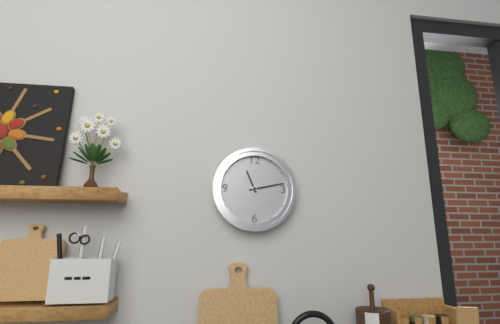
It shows 11:13
